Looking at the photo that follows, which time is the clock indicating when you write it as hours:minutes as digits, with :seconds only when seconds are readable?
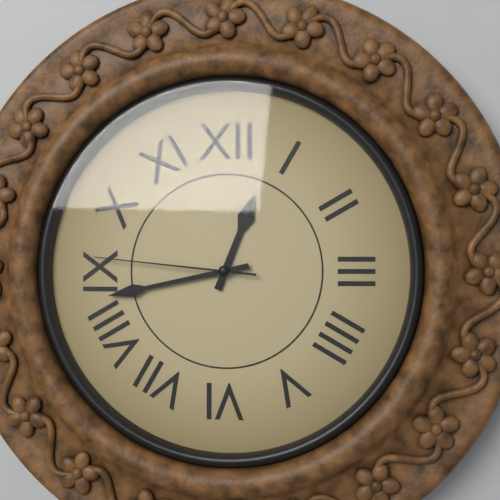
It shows 12:43:46
